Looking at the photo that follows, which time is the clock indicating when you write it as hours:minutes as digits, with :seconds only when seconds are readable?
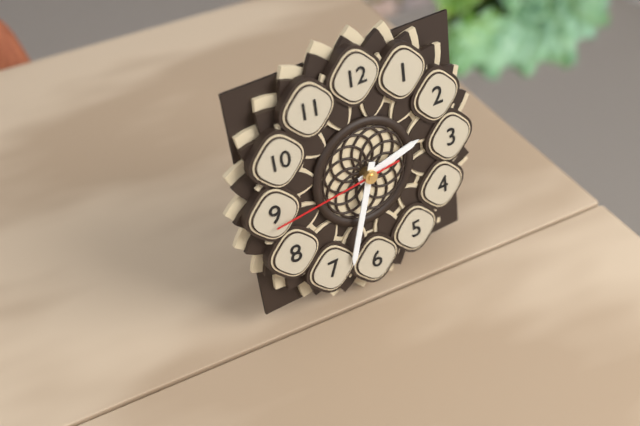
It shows 2:33:44
